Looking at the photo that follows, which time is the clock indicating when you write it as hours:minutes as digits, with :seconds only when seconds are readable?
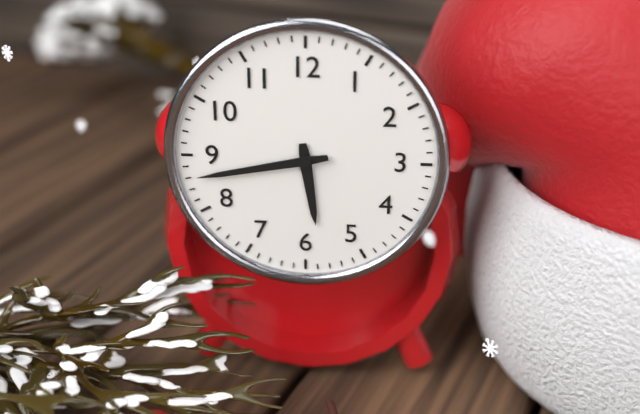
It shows 5:43
